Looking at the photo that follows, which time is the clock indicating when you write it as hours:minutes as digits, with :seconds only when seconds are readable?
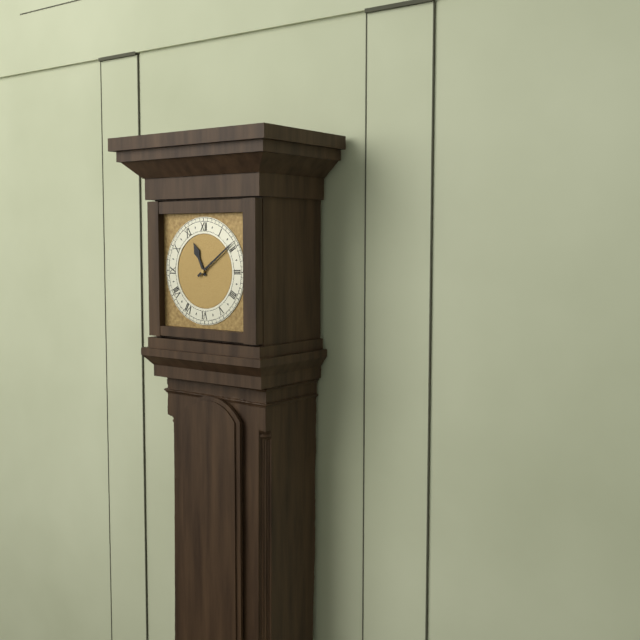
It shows 11:09
